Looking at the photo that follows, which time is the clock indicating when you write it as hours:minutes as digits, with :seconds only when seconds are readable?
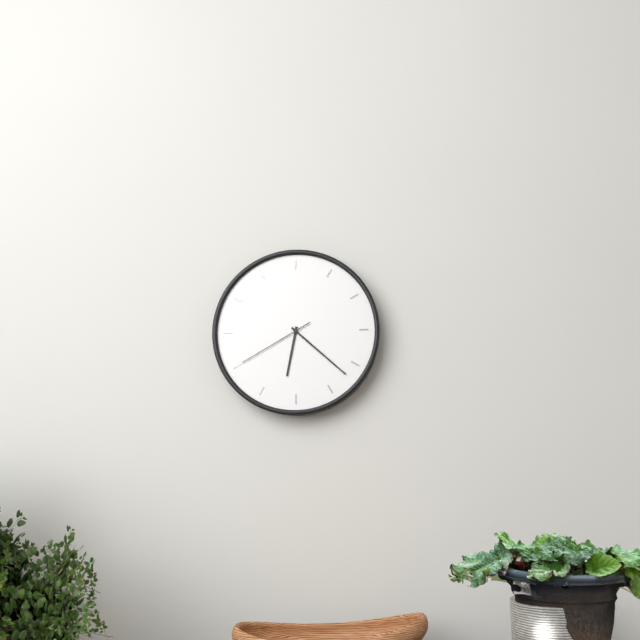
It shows 6:22:40
